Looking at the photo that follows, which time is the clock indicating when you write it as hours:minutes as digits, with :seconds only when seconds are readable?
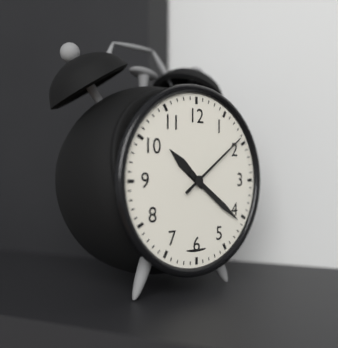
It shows 10:21:09
